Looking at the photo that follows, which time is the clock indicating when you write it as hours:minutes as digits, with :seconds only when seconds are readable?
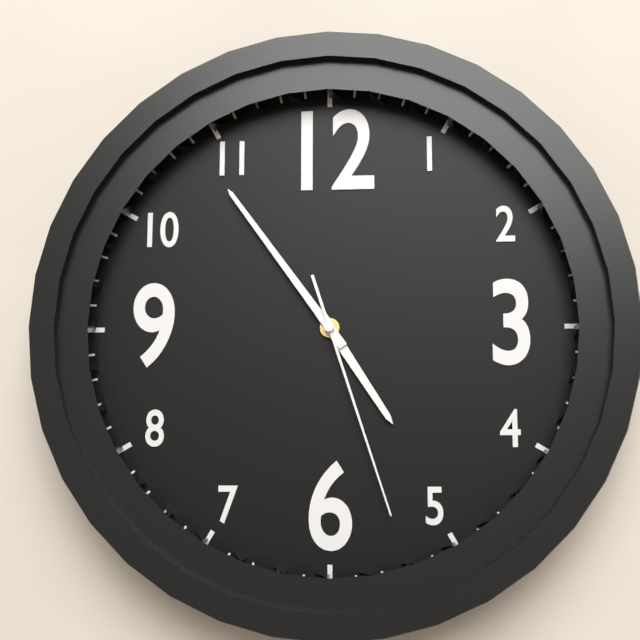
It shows 4:54:27
